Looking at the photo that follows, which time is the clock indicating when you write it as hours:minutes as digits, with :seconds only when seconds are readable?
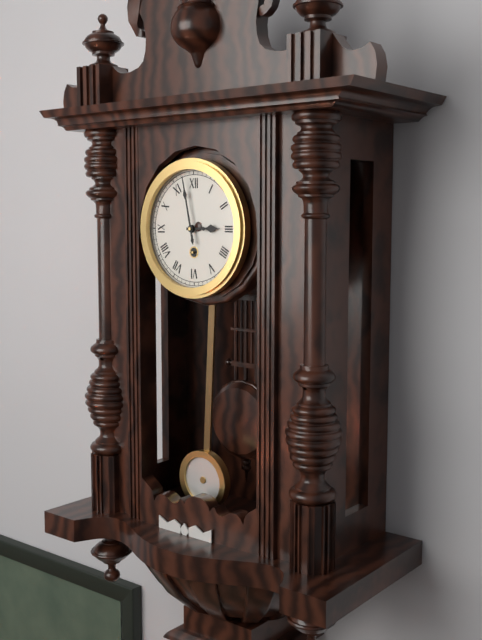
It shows 2:58
